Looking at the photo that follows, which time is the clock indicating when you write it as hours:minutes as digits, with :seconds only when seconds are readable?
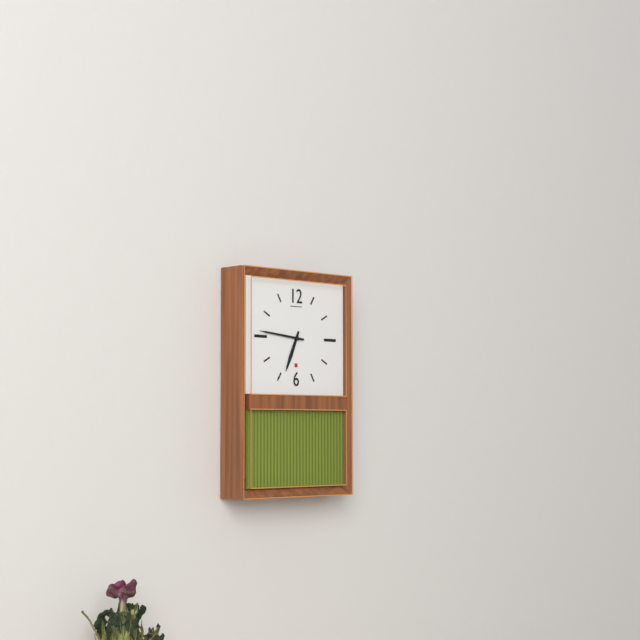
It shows 6:46
